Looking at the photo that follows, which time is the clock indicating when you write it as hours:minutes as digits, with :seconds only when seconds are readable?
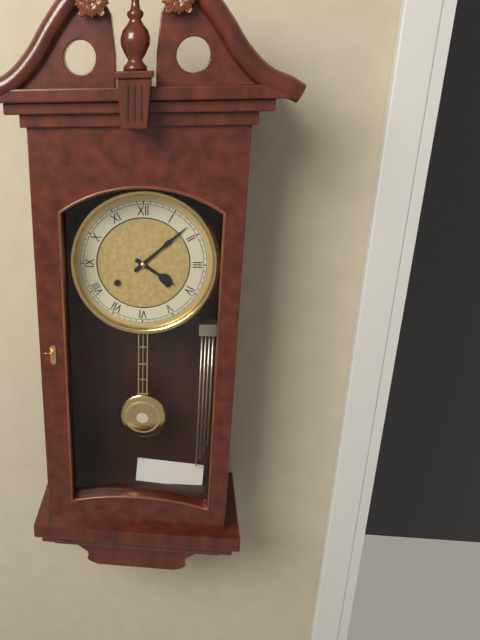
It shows 4:08
